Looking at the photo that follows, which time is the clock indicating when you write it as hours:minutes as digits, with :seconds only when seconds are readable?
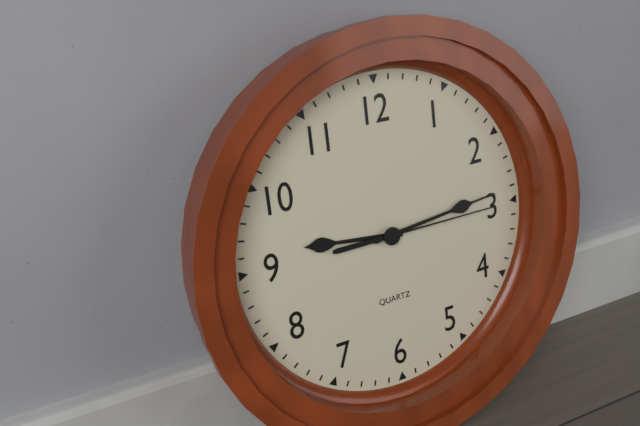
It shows 9:14:15
